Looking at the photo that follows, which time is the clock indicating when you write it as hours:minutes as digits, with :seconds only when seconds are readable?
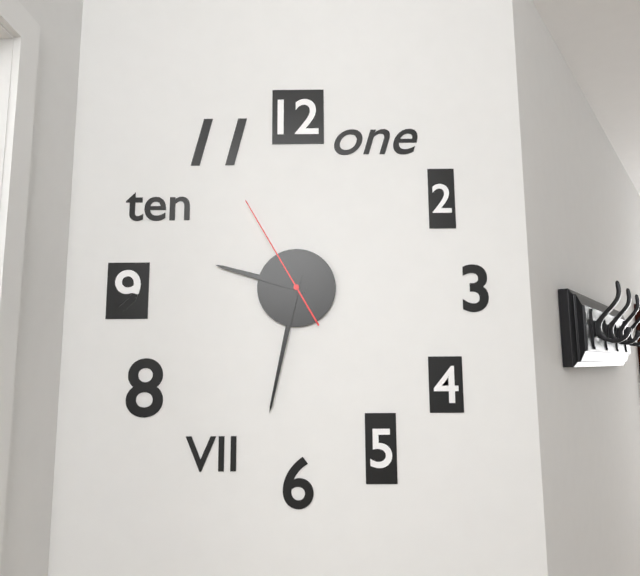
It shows 9:32:55
